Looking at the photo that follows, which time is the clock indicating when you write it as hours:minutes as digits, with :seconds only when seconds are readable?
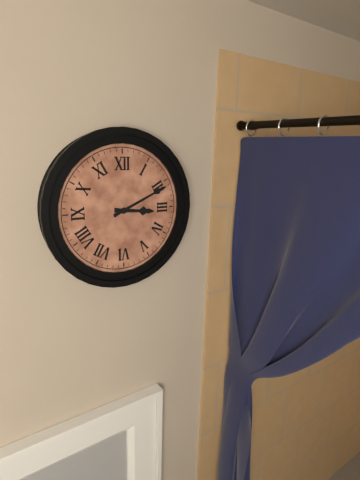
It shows 3:11
